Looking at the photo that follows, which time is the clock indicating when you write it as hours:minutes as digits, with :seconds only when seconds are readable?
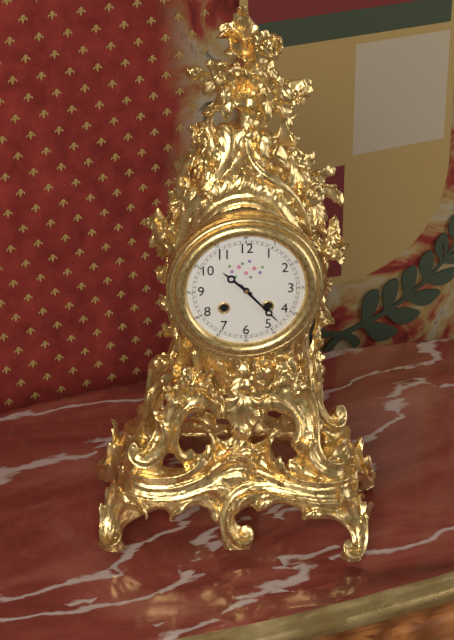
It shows 10:23
